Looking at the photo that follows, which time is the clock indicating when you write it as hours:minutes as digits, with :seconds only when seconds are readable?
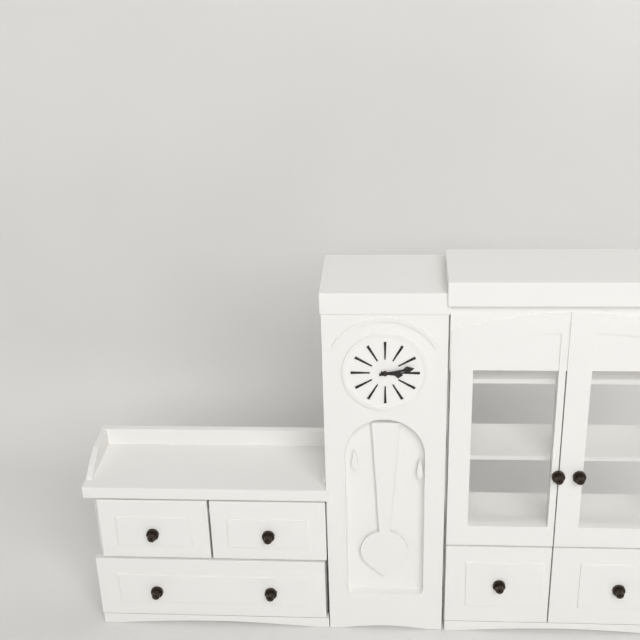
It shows 3:13
